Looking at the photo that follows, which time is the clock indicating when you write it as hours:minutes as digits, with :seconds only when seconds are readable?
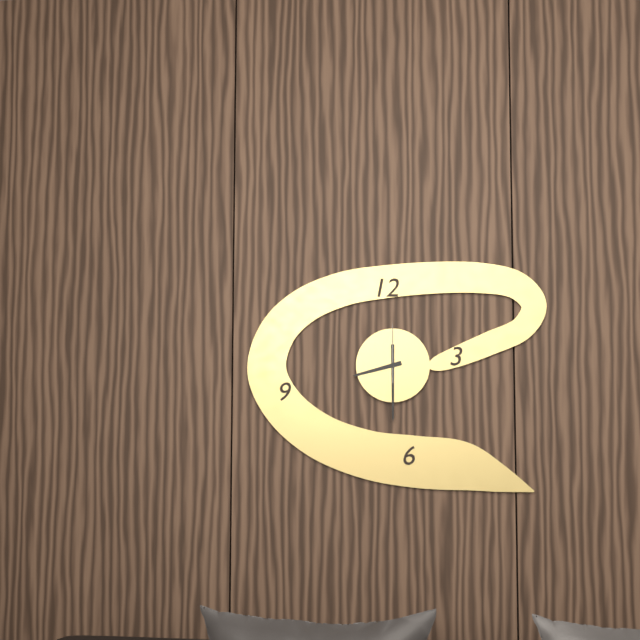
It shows 8:30:00
